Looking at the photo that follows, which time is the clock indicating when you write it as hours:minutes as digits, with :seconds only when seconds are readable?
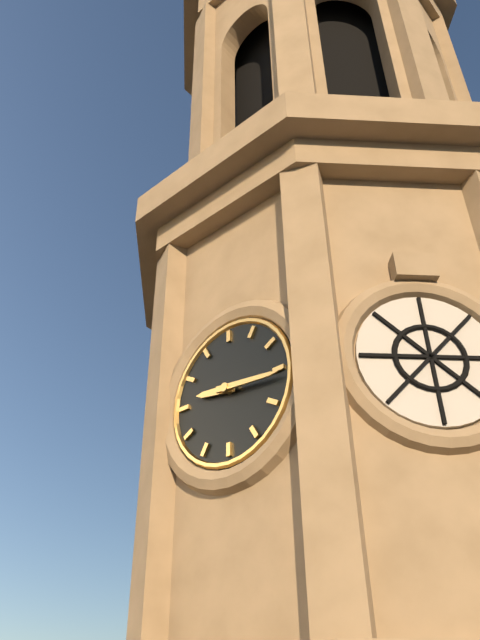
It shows 9:16
